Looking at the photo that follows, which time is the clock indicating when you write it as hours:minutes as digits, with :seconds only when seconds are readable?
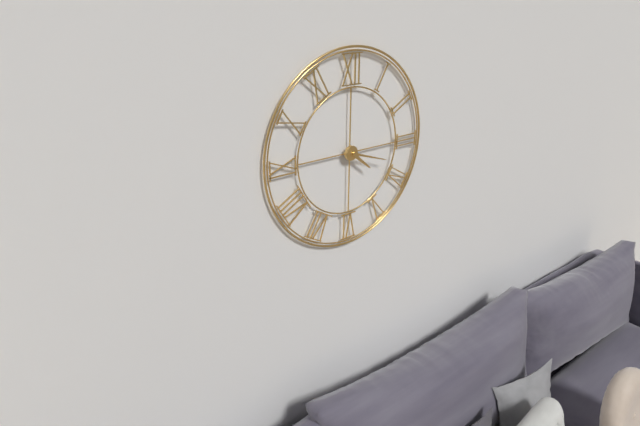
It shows 4:18
